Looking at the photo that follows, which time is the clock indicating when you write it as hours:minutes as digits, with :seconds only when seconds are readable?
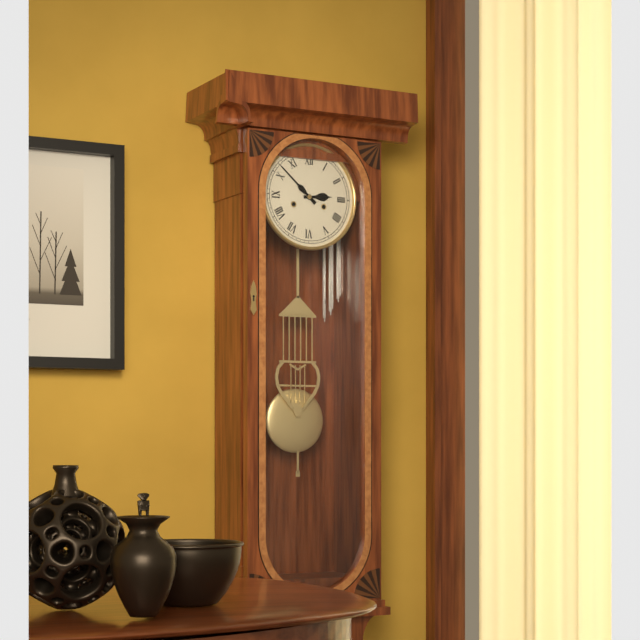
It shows 2:52
